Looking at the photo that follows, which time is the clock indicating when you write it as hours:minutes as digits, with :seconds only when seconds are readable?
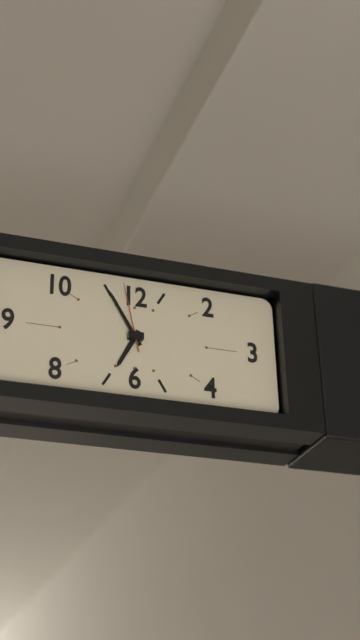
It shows 6:55:58
